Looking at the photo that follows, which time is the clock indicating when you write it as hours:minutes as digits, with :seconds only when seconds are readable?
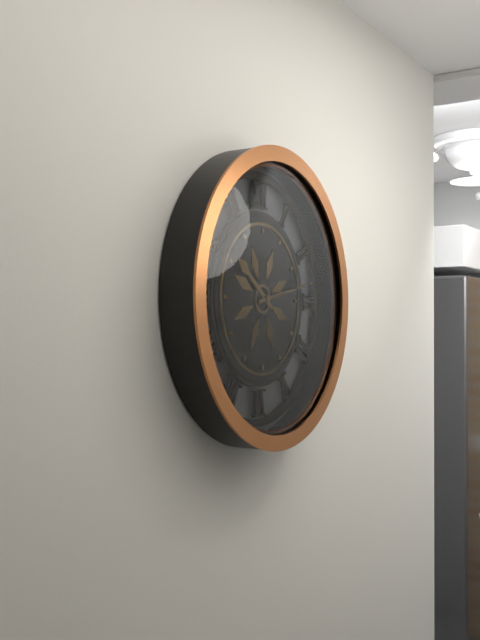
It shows 10:13
